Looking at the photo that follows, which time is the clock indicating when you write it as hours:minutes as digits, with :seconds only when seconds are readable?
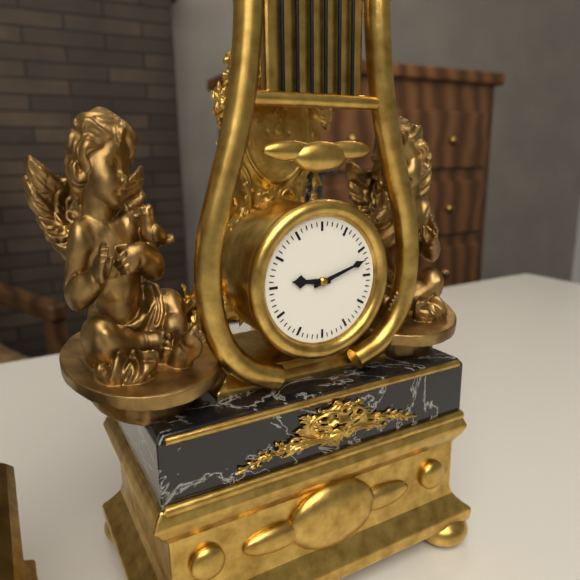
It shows 9:12
